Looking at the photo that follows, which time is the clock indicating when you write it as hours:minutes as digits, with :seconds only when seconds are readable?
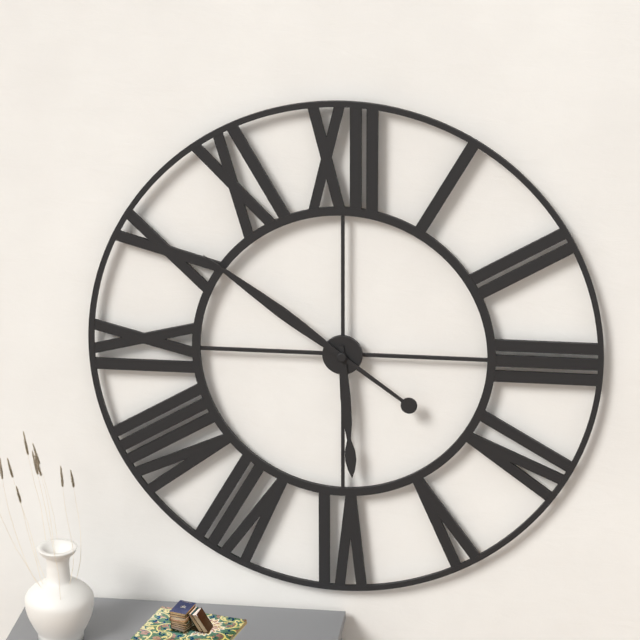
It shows 5:51
